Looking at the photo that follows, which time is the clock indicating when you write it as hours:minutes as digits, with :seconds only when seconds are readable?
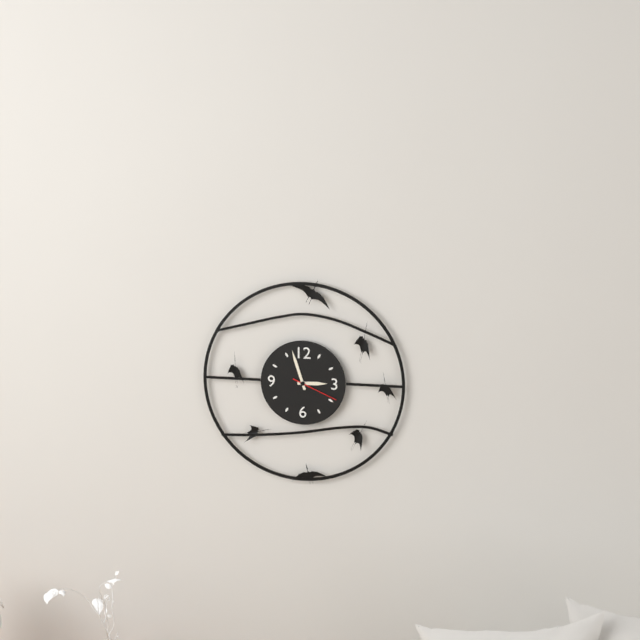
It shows 2:57
